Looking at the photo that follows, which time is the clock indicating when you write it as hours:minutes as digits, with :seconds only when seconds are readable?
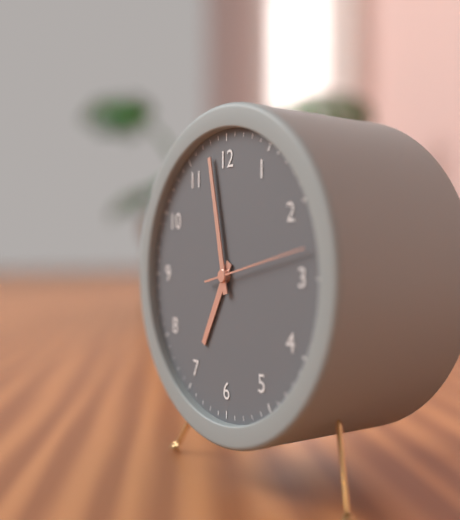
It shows 6:58:13
